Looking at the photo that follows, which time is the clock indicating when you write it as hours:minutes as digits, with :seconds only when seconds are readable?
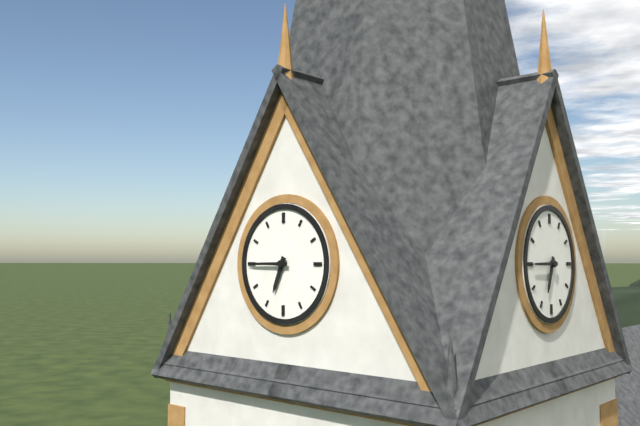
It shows 6:45
